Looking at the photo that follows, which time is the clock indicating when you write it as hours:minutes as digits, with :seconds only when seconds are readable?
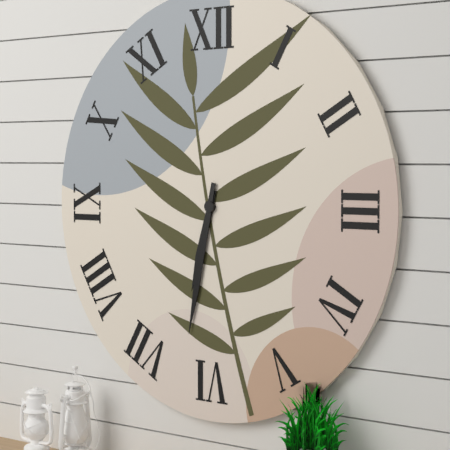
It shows 6:32
